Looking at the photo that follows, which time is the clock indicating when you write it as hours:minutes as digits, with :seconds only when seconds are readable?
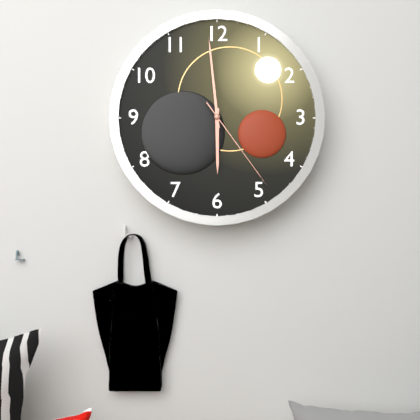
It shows 5:59:24
